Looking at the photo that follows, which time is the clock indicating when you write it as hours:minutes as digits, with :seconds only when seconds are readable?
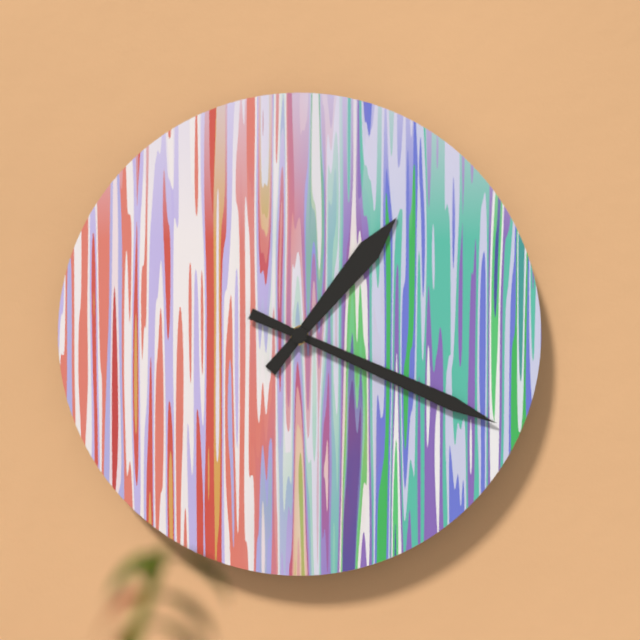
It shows 1:19
